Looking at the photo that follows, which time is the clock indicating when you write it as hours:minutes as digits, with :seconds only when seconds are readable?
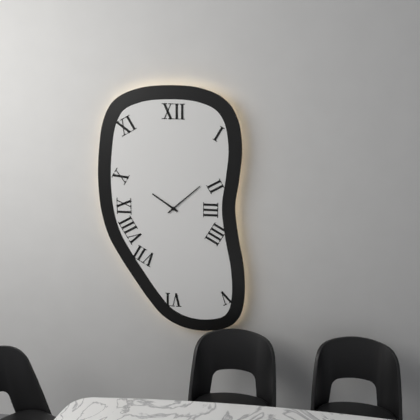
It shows 10:08
